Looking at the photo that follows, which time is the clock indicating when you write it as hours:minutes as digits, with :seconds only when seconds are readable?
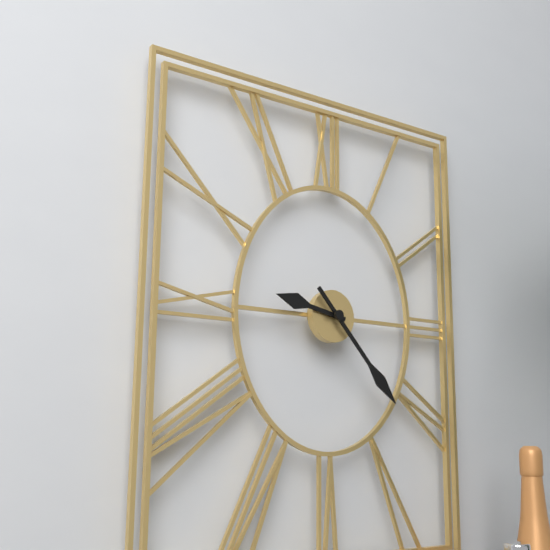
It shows 9:23
